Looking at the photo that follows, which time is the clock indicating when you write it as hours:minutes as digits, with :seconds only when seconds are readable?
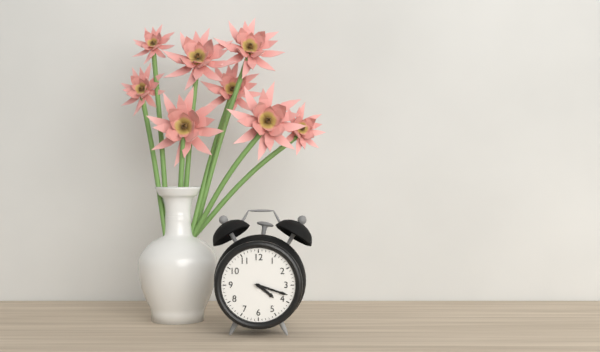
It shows 4:18
